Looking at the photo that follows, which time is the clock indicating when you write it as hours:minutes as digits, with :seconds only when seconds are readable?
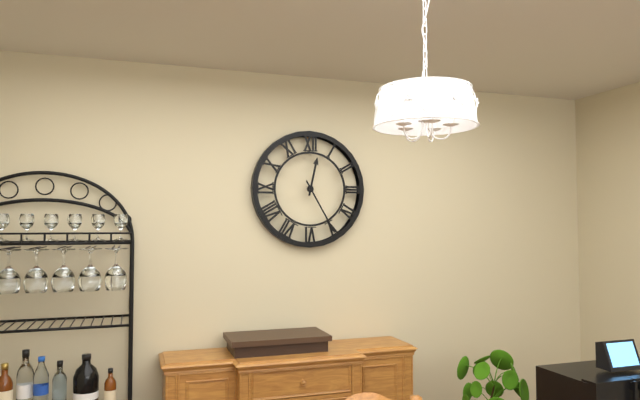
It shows 12:25
